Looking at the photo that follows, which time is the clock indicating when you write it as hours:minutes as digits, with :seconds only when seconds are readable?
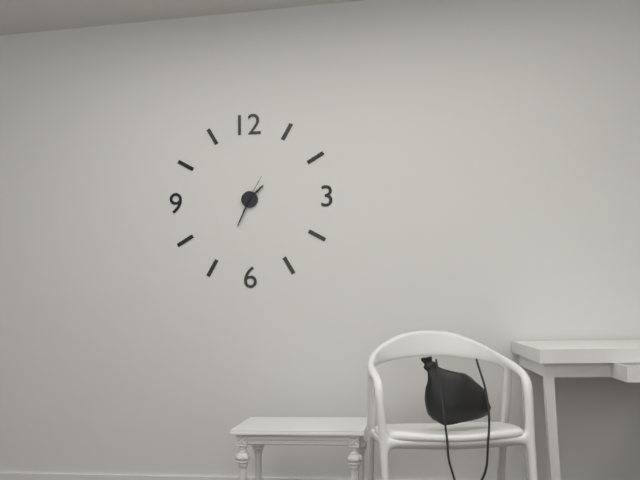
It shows 1:34
